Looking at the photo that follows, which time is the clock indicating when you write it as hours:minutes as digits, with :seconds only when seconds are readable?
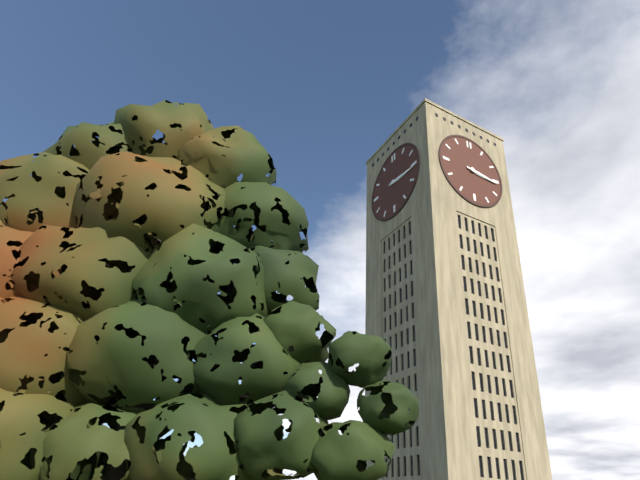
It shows 3:16
